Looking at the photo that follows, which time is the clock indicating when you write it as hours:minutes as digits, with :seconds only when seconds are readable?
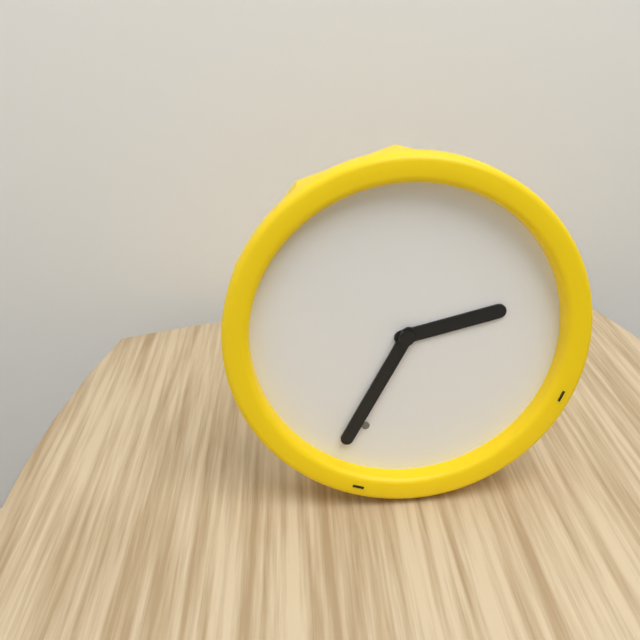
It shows 2:35
